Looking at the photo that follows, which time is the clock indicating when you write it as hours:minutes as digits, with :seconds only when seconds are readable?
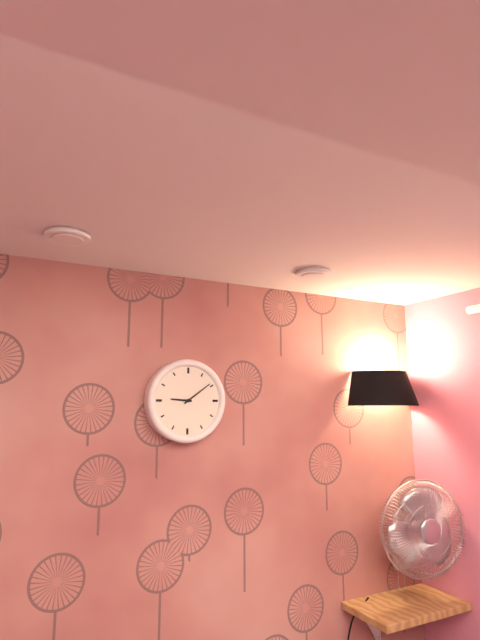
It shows 9:09
